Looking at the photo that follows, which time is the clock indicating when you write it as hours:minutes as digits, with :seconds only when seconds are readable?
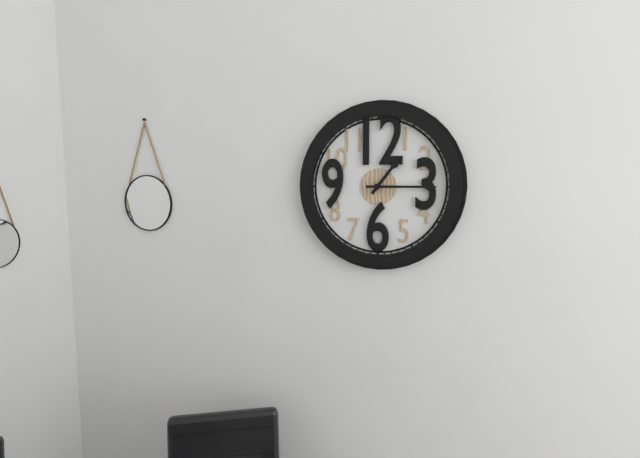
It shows 1:15
